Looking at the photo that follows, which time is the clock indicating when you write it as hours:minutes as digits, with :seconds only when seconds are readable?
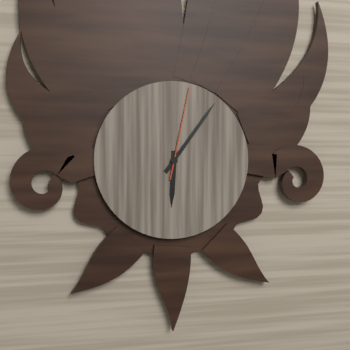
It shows 6:06:02
